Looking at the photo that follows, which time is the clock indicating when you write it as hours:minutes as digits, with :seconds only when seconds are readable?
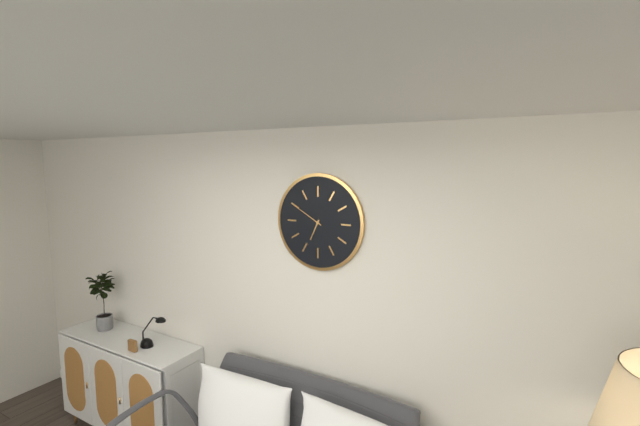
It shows 6:50
